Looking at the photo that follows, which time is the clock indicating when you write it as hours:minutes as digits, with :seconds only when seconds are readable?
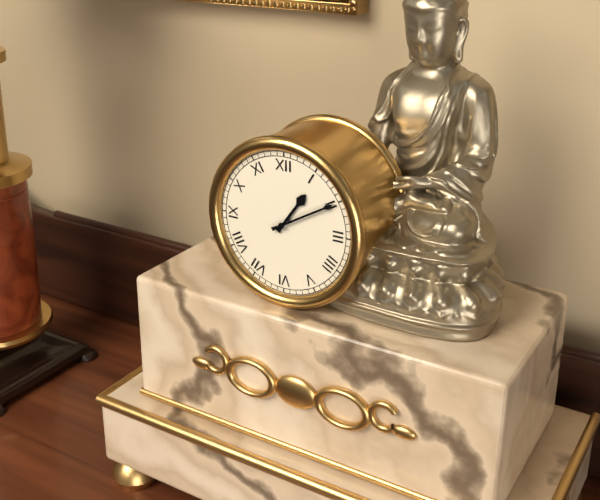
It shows 1:10
